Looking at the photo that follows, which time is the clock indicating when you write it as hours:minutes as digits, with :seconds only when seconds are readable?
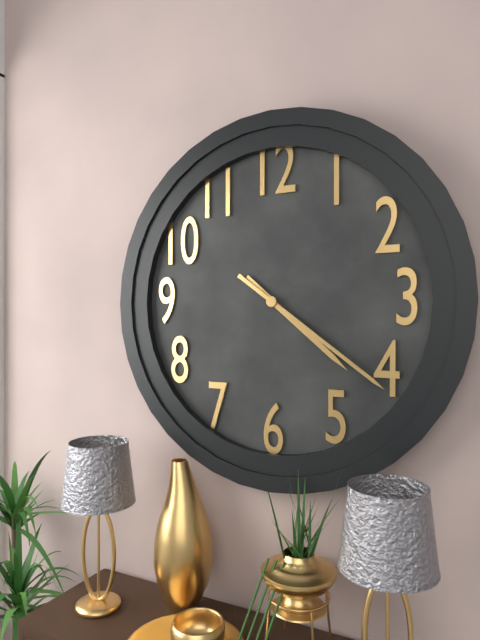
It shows 4:21
